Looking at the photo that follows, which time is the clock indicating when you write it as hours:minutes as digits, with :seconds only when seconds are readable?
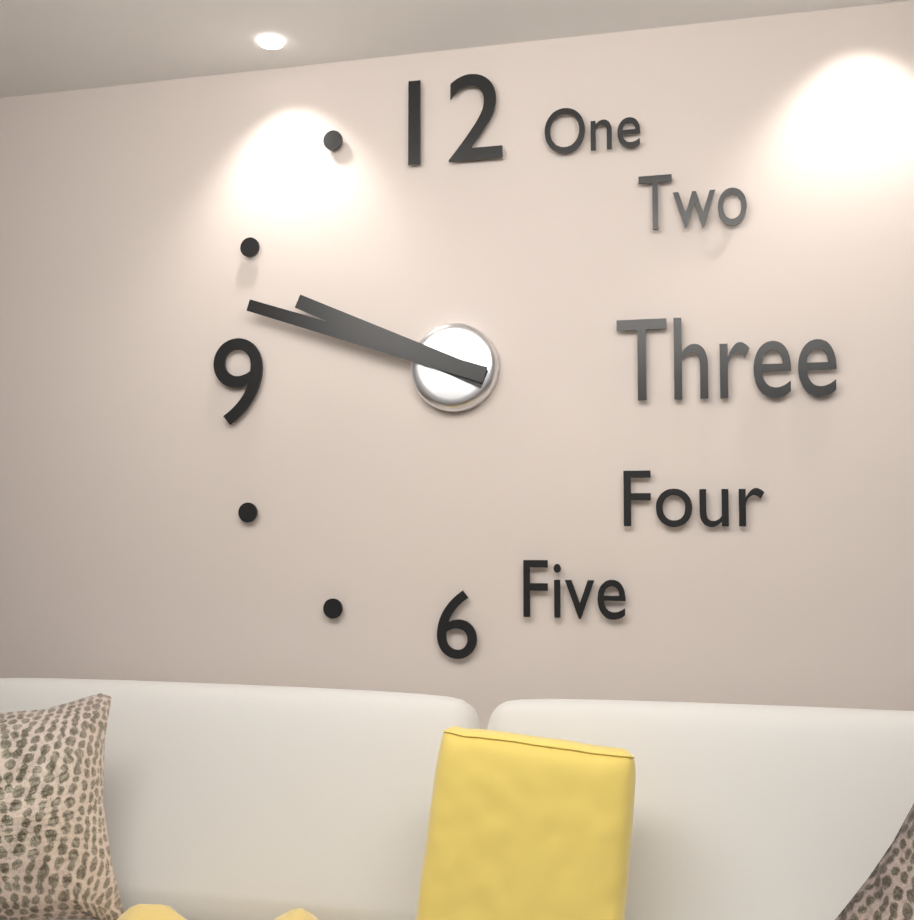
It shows 9:48
